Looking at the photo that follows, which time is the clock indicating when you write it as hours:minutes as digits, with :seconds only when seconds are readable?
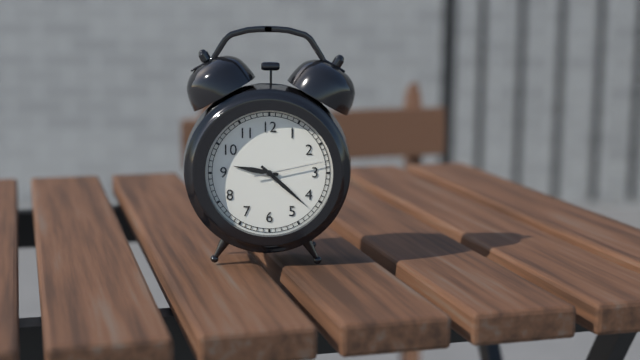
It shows 9:22:13
